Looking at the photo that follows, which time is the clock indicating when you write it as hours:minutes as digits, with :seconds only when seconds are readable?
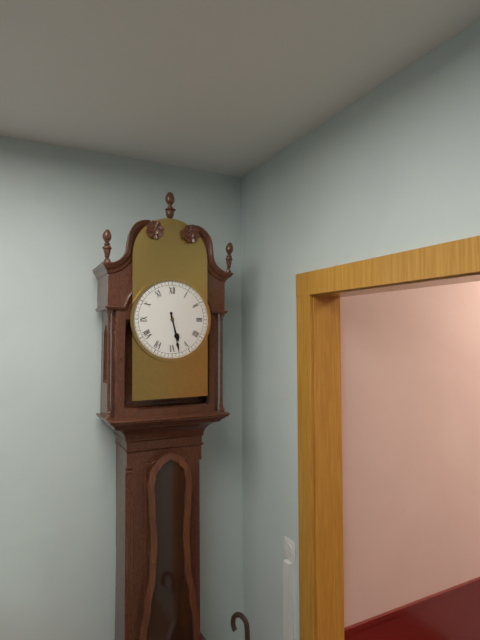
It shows 5:28
